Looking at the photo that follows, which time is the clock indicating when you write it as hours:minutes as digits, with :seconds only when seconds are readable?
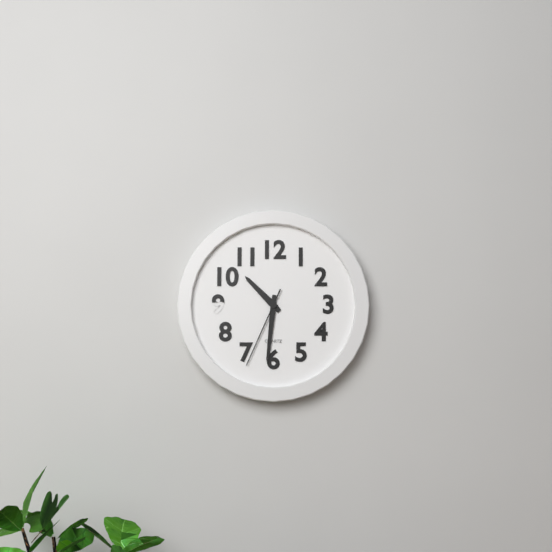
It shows 10:31:34
